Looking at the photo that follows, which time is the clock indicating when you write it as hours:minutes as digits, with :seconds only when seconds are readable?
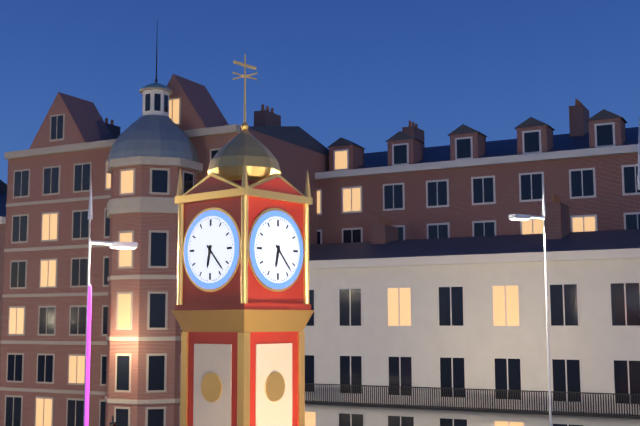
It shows 6:23
